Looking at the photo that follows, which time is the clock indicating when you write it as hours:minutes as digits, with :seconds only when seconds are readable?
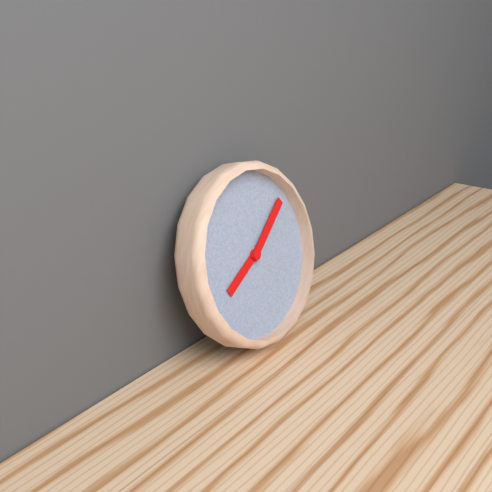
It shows 8:09
